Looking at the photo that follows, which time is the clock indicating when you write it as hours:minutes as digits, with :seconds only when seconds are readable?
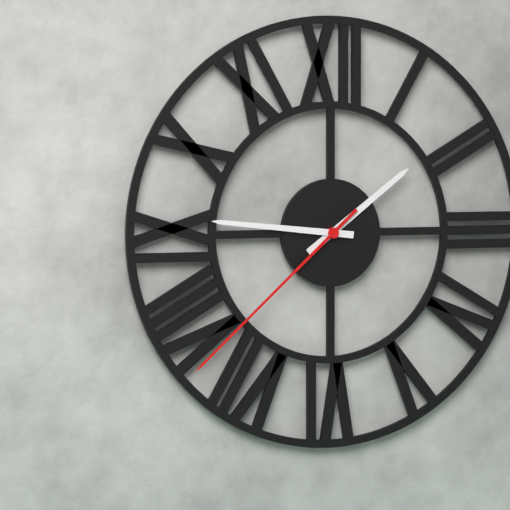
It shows 1:46:38
